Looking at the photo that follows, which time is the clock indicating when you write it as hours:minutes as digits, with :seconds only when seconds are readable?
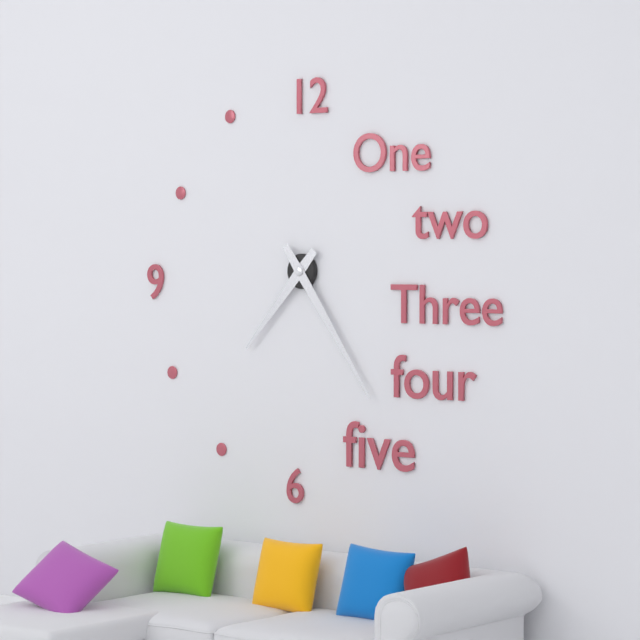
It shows 7:24
